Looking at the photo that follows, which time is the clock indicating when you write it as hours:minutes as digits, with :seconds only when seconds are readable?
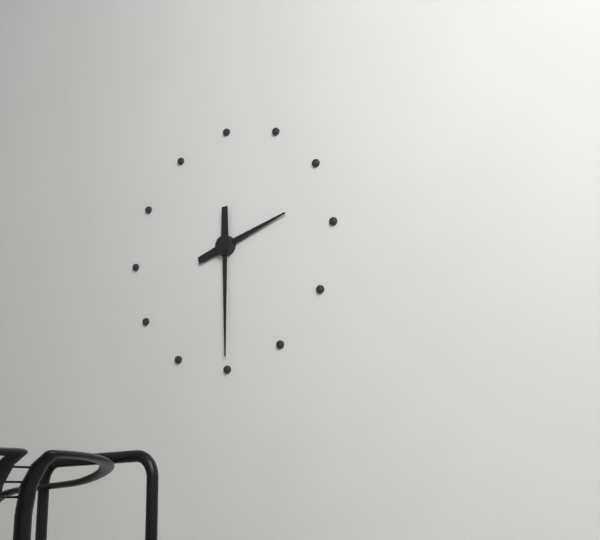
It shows 2:30
